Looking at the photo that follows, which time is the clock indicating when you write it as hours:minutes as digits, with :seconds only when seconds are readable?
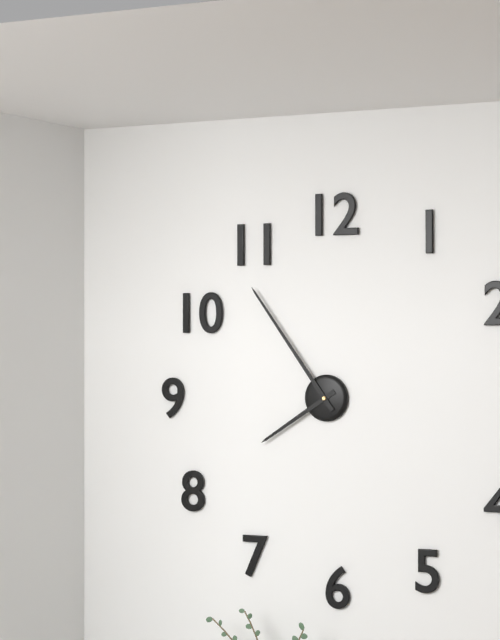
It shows 7:54
